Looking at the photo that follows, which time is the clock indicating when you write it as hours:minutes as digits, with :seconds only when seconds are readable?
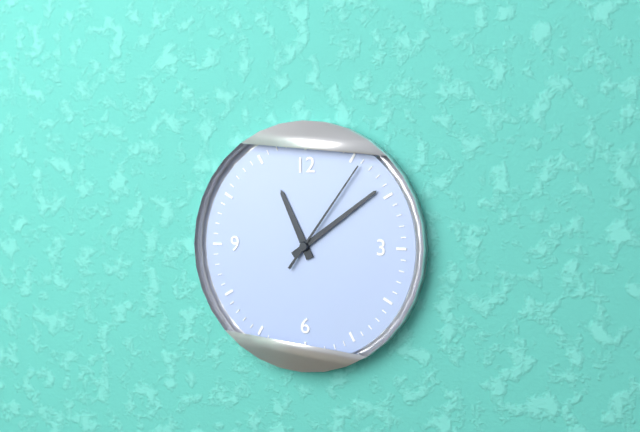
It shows 11:09:06
